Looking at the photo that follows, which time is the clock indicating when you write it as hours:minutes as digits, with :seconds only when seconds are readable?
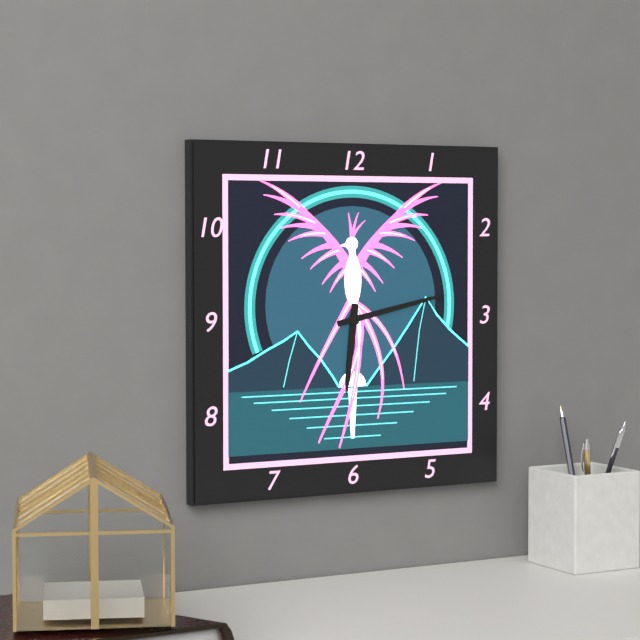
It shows 6:13
